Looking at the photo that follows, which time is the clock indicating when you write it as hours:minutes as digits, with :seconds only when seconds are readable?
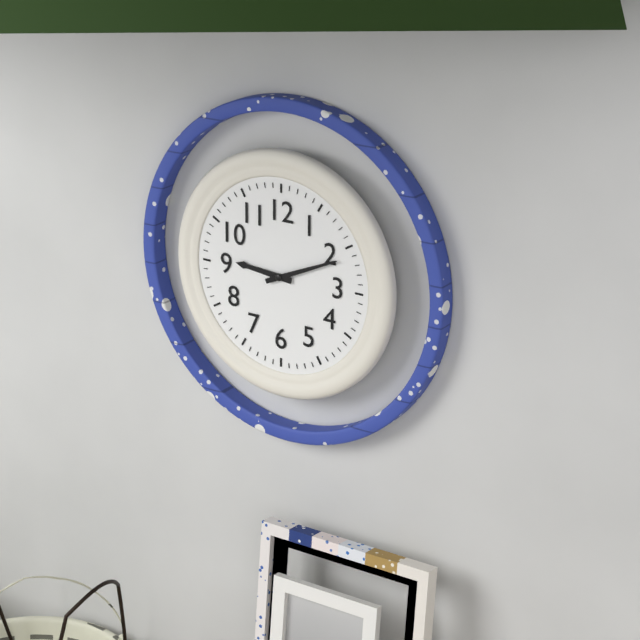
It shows 9:11
